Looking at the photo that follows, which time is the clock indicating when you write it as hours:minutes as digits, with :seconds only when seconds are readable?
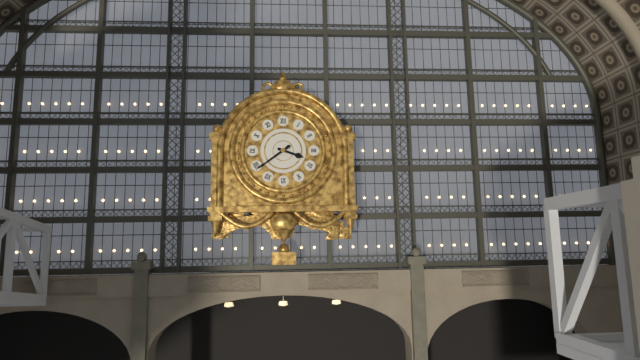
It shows 3:39
